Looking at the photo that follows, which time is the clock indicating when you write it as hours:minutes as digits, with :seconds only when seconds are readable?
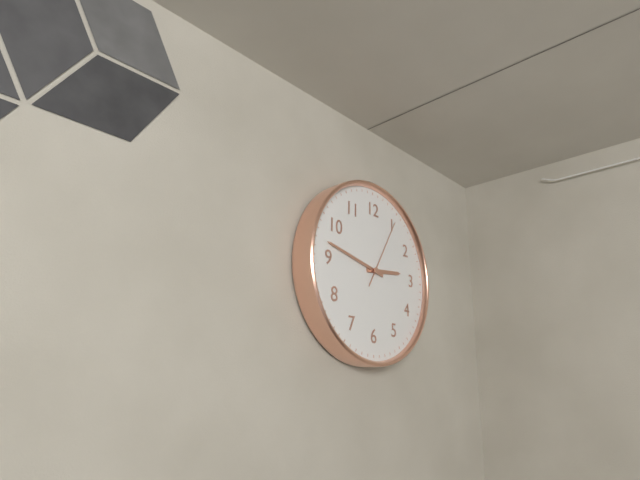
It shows 2:47:05
